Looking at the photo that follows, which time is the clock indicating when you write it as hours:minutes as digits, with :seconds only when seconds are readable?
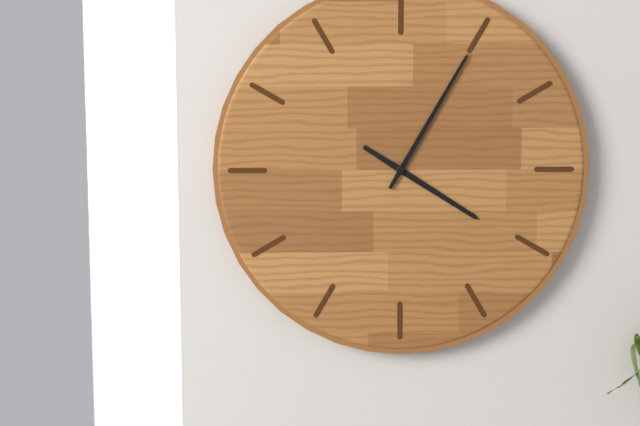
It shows 4:05
